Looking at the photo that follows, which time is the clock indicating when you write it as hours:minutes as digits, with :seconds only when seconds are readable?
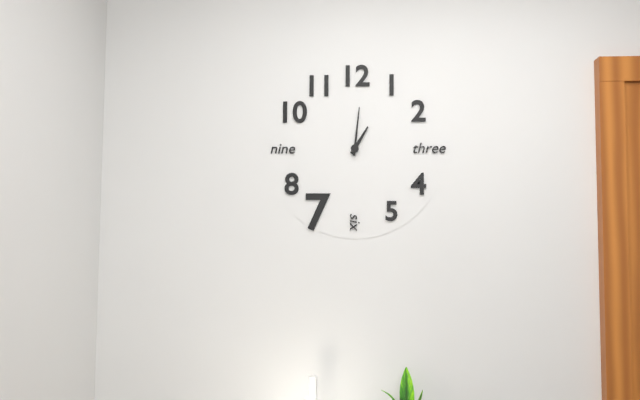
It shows 1:01
